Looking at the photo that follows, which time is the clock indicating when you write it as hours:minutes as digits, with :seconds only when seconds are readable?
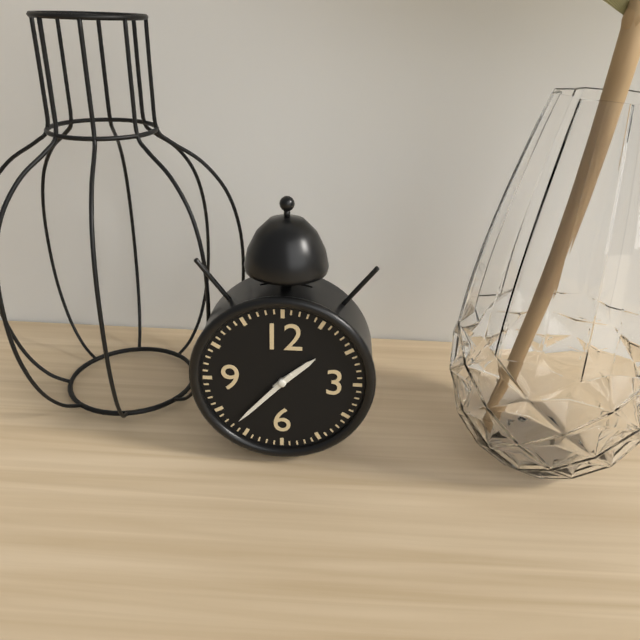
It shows 1:37
